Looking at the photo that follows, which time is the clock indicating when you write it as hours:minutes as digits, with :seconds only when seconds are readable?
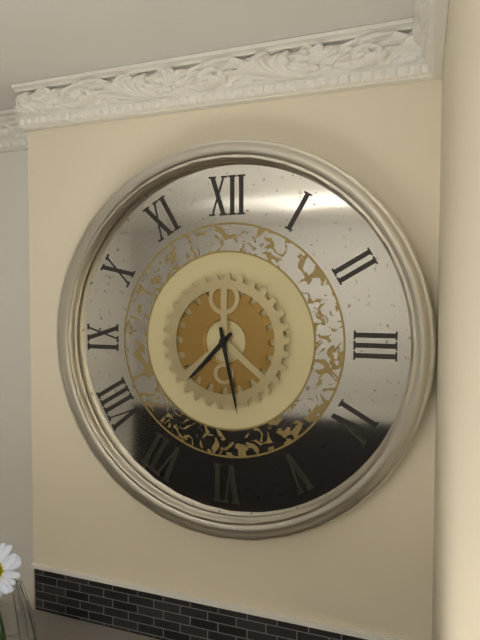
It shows 7:28
